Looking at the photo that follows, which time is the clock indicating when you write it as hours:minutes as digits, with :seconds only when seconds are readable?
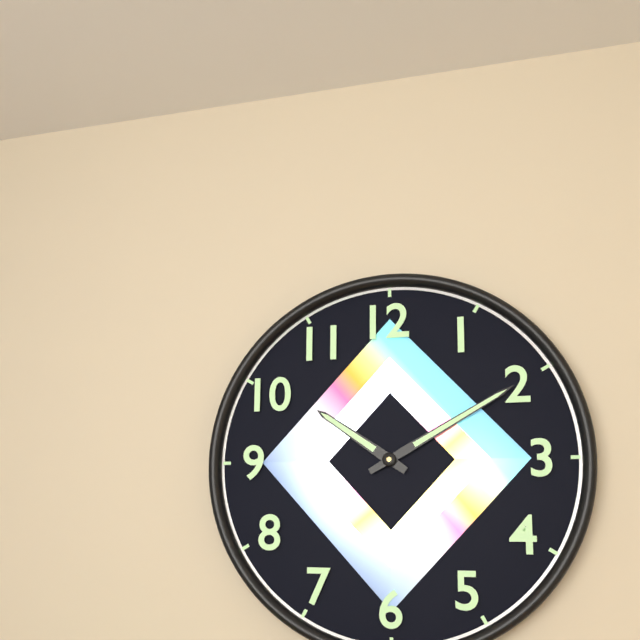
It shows 10:10
